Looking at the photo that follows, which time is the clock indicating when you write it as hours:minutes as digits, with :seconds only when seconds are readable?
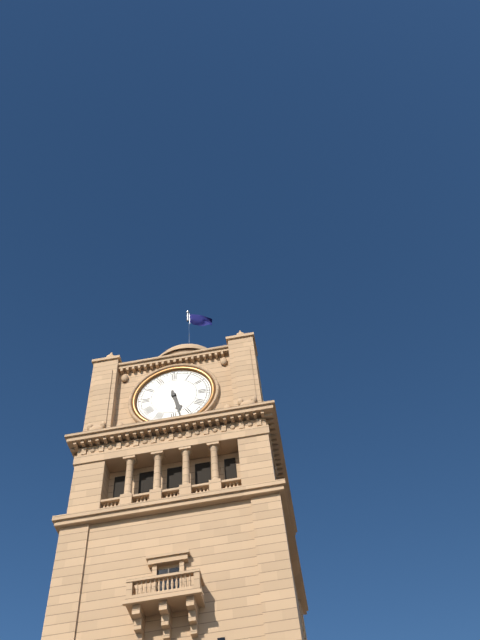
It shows 5:28
